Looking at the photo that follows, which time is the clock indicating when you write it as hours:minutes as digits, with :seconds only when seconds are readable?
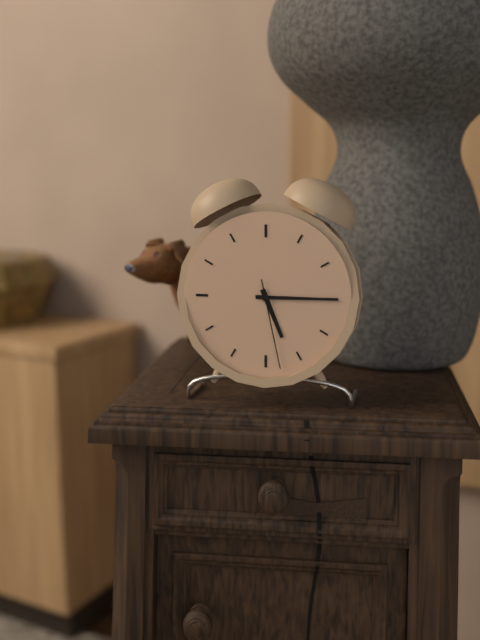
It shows 5:15:28
